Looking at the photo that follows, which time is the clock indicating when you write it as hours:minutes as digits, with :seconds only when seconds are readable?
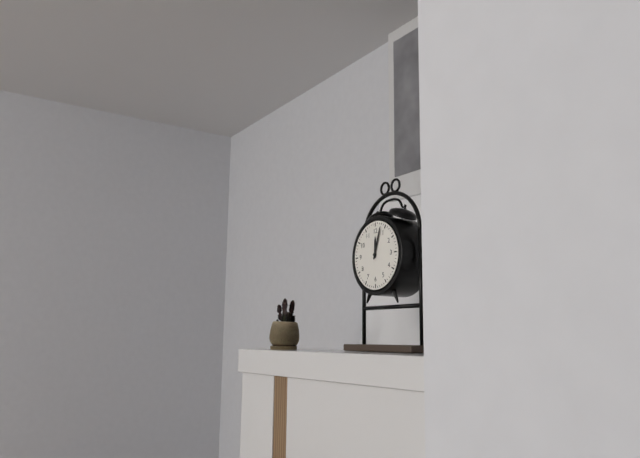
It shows 12:03
